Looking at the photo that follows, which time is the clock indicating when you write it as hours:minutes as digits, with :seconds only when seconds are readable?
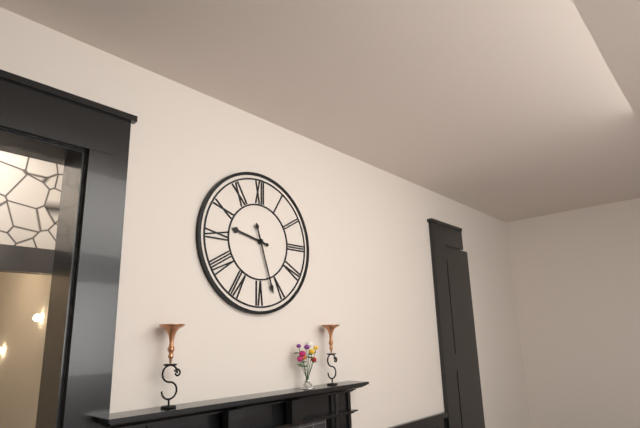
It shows 9:27
